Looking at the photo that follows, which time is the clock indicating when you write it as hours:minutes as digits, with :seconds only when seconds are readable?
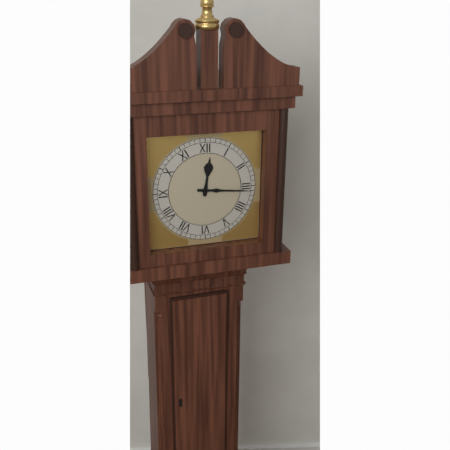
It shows 12:16
